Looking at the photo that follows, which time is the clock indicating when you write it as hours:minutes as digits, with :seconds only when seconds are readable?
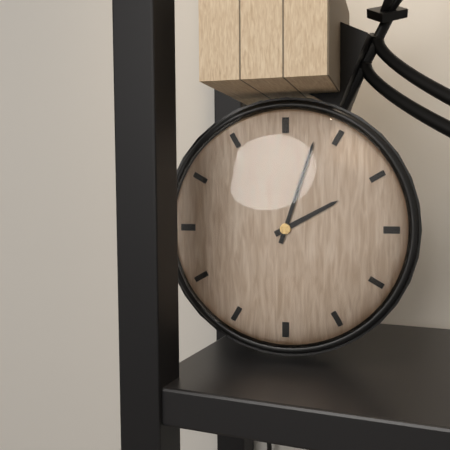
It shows 2:03
